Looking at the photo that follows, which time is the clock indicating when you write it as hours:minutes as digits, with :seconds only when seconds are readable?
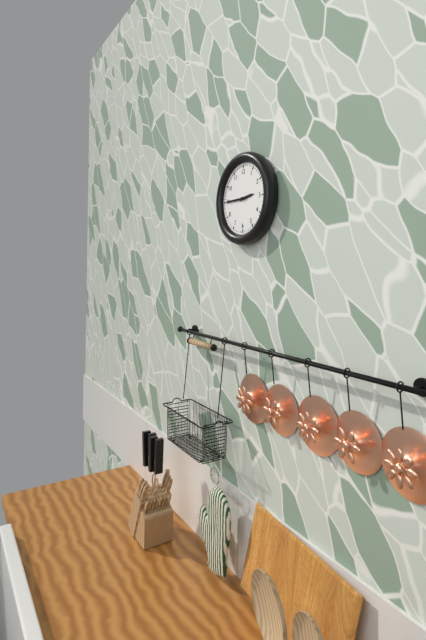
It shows 2:45
